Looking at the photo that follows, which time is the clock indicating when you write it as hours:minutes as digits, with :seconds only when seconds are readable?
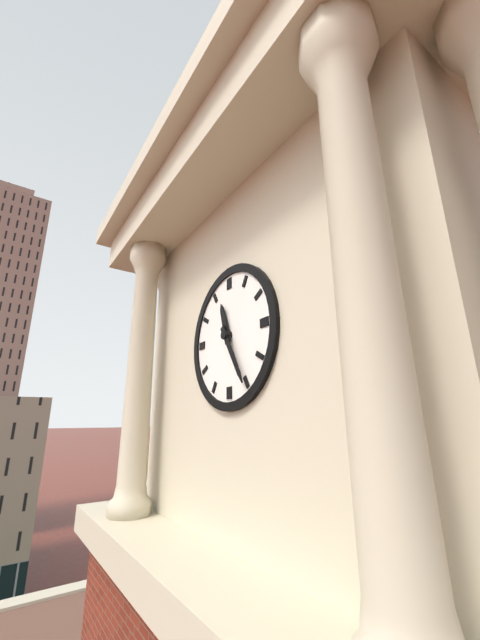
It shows 11:25
